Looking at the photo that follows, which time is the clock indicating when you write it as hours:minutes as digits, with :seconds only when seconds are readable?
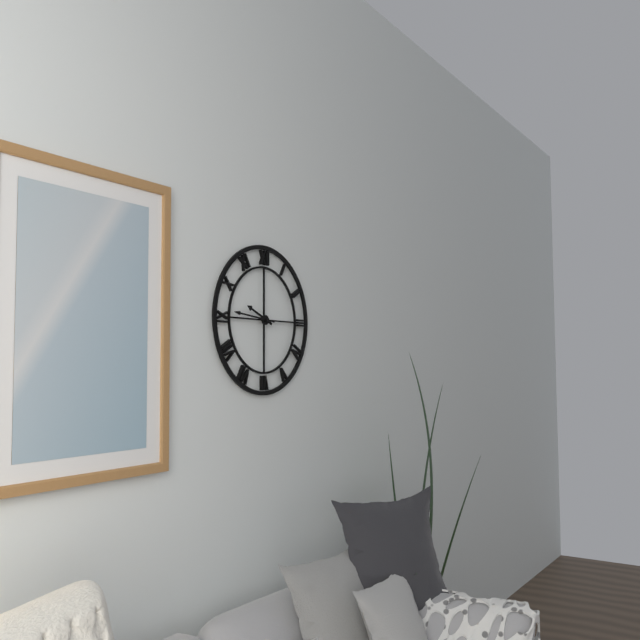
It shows 9:46
